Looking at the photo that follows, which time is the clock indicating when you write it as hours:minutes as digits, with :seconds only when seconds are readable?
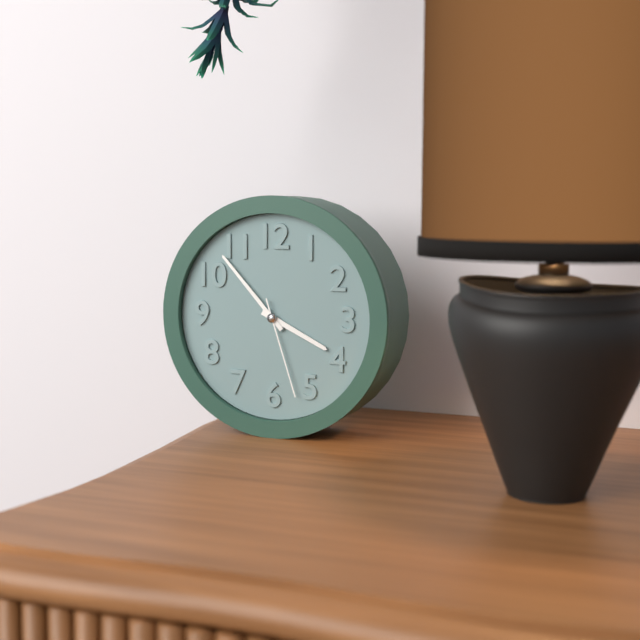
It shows 3:53:27
